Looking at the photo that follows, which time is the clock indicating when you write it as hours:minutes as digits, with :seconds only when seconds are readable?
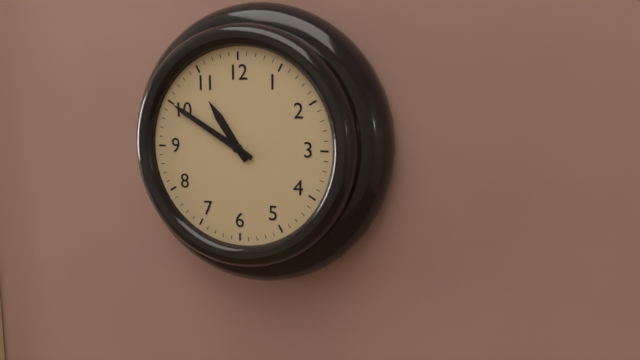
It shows 10:50
